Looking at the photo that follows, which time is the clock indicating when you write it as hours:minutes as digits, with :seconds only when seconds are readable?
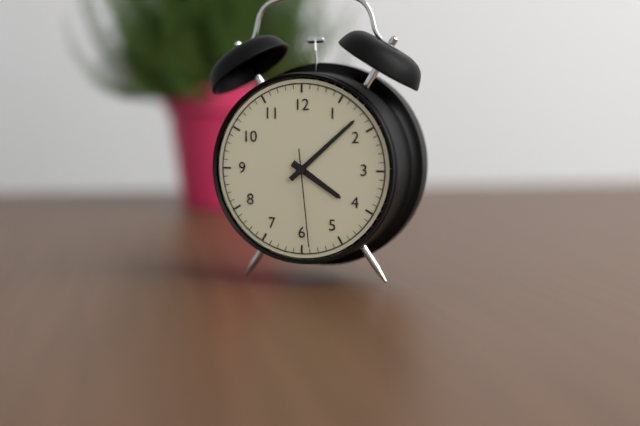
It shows 4:08:29
